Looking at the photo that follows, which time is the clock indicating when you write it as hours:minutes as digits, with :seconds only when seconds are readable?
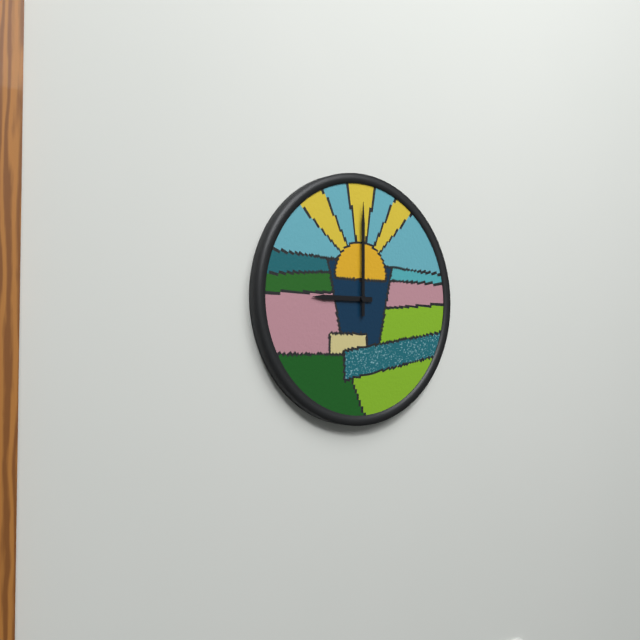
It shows 9:00
